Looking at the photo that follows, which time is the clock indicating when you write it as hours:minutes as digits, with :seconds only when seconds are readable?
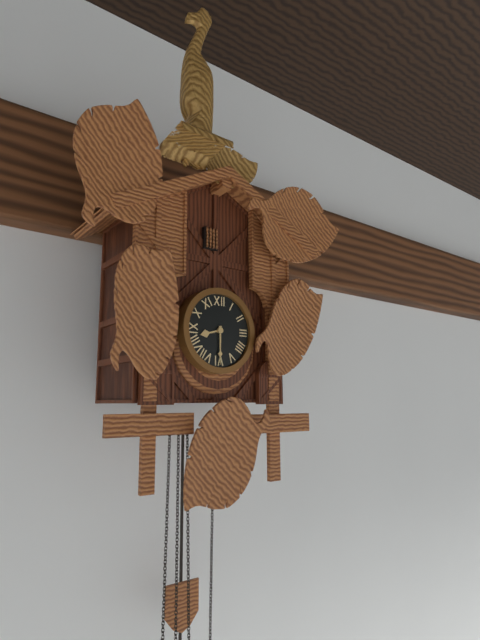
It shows 8:30
